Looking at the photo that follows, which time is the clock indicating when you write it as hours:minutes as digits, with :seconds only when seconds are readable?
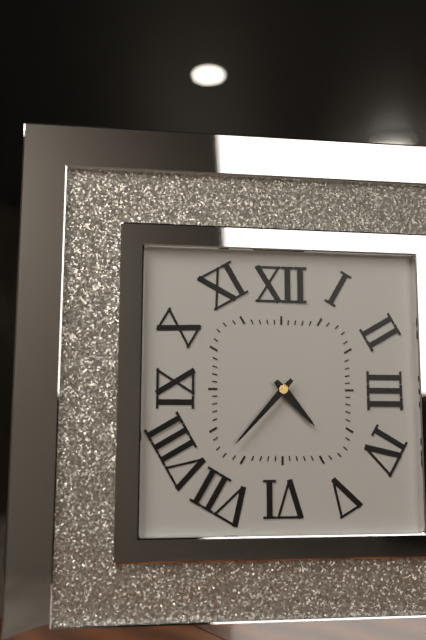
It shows 4:37
